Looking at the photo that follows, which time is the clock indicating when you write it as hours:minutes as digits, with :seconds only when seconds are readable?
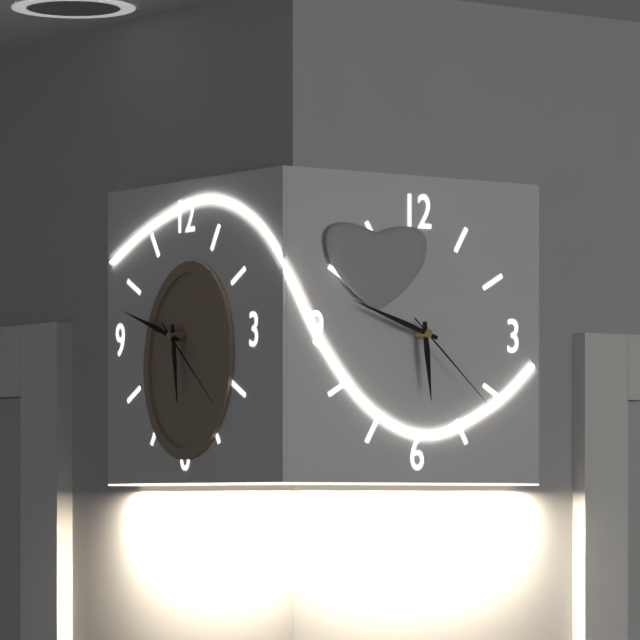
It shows 5:48:22
